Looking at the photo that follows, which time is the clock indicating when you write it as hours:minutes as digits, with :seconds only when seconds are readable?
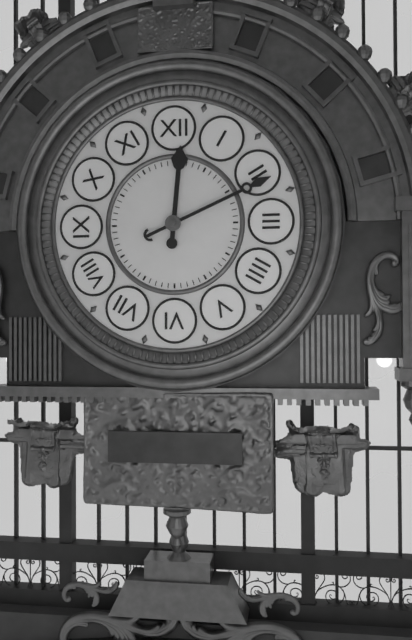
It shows 12:11
